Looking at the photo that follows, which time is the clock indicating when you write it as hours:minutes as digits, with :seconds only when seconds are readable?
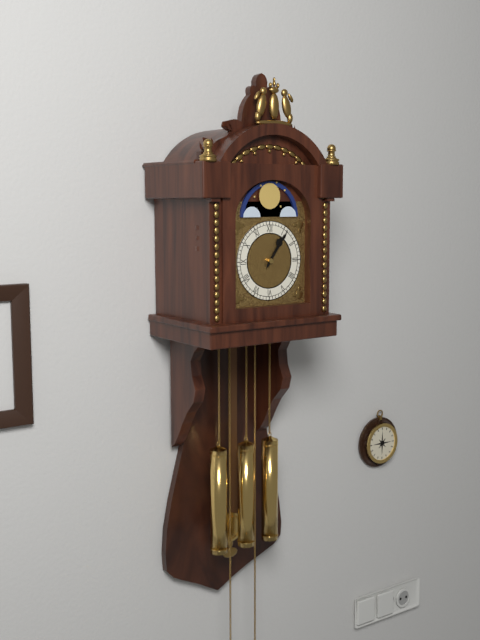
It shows 1:06
